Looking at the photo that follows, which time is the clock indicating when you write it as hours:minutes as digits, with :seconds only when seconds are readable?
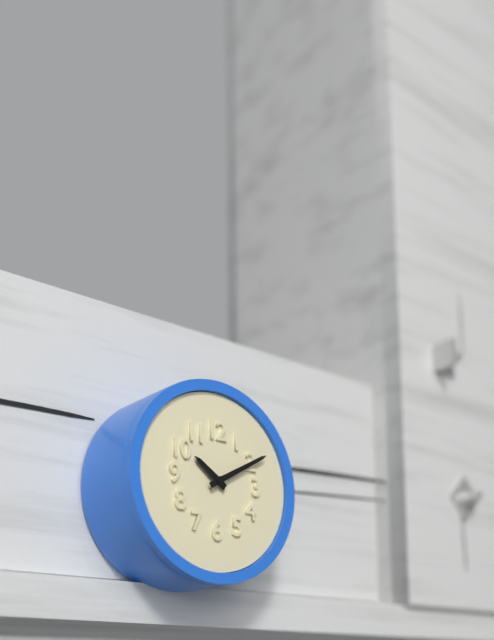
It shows 10:10
